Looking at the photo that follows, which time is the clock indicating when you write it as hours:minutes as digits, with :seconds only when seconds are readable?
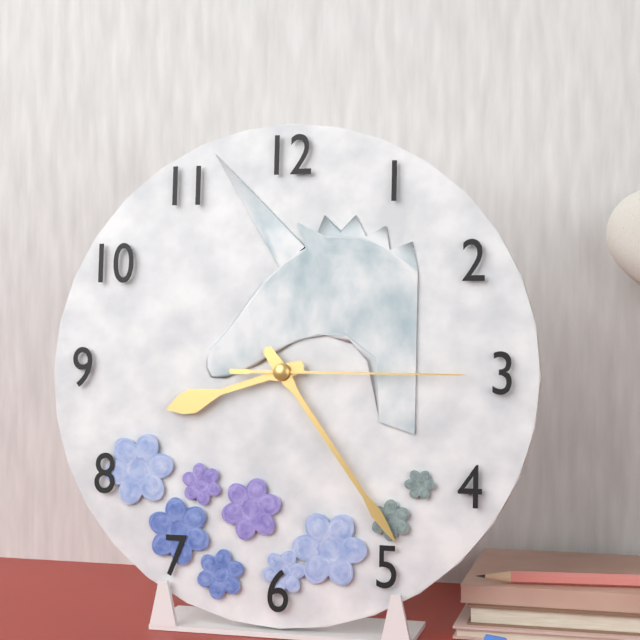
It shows 8:24:15
